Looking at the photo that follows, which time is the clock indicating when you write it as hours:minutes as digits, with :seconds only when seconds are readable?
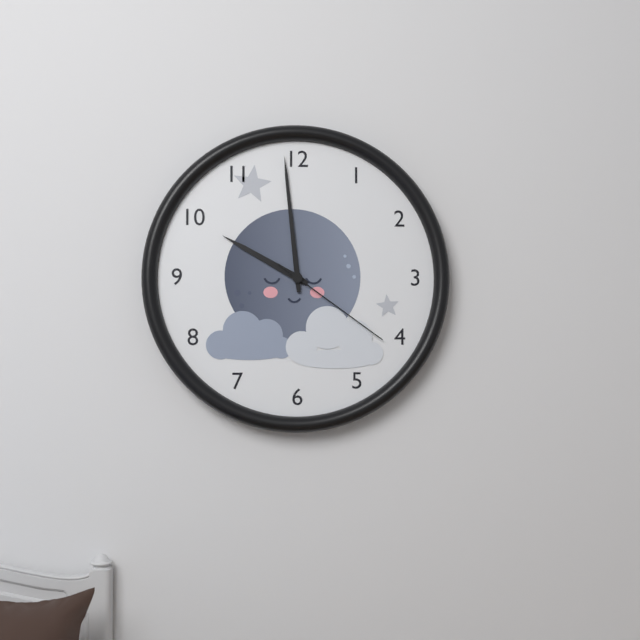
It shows 9:59:21
